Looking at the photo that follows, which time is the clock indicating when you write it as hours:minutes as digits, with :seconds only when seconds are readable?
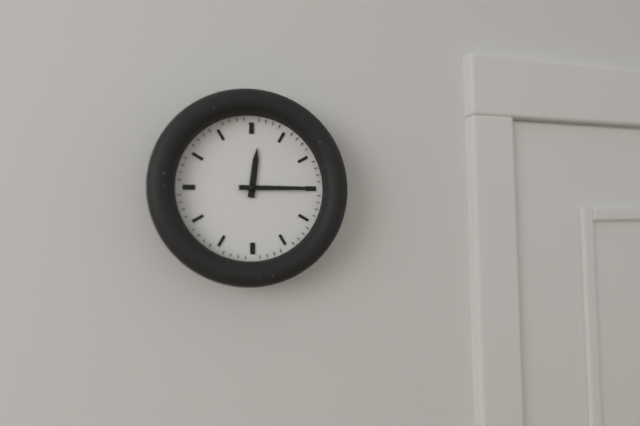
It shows 12:15
